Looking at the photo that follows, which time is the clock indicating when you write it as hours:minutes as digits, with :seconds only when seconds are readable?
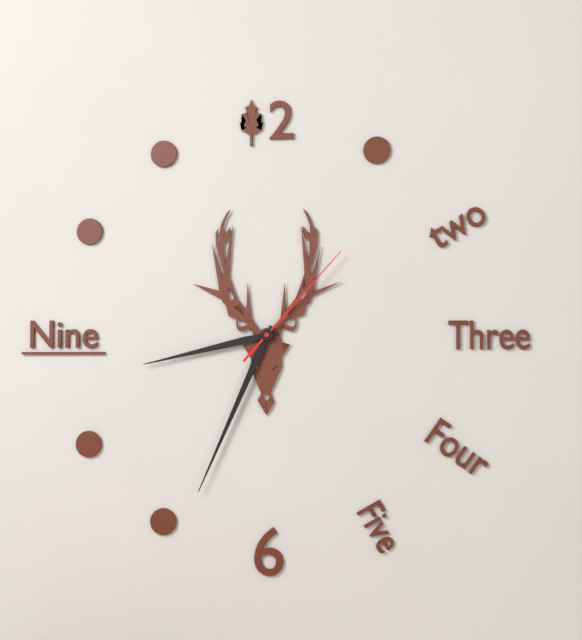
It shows 8:34:07
